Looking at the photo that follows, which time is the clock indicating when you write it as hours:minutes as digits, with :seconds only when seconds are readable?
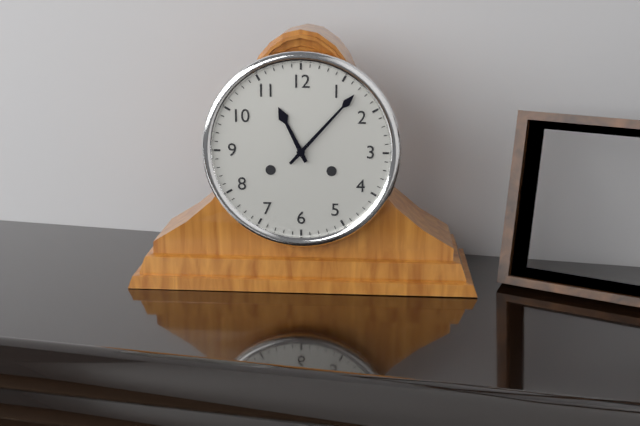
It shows 11:07
